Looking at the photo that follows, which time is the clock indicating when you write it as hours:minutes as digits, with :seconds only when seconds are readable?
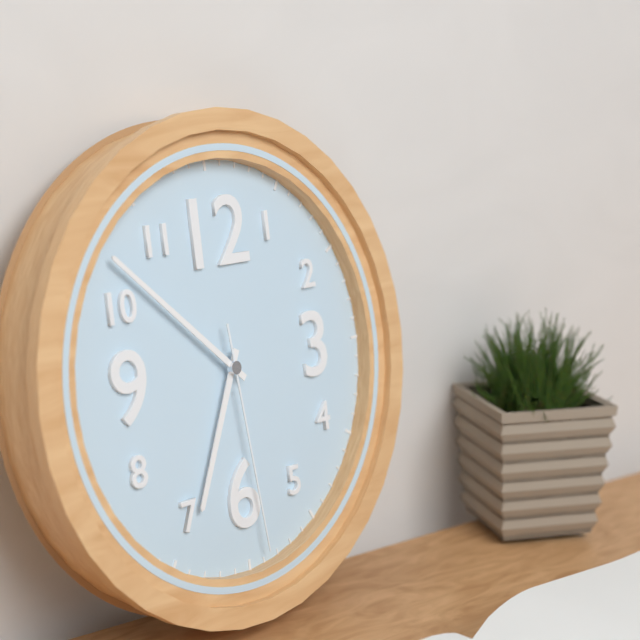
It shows 6:52:29
